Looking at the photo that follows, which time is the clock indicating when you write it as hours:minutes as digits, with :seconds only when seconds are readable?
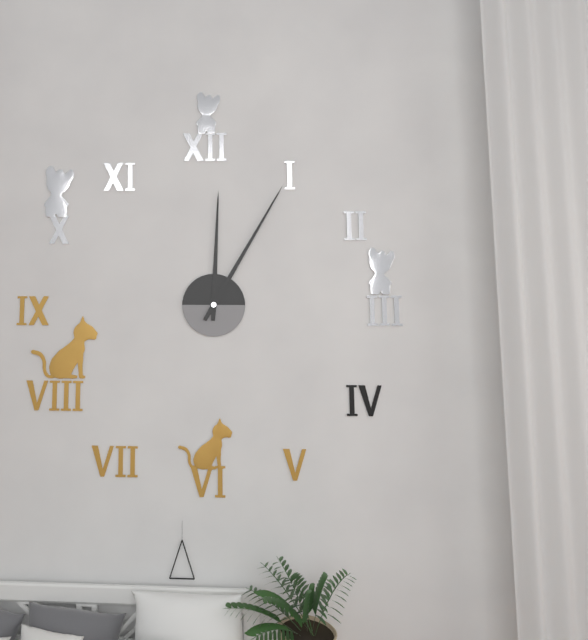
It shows 12:05
